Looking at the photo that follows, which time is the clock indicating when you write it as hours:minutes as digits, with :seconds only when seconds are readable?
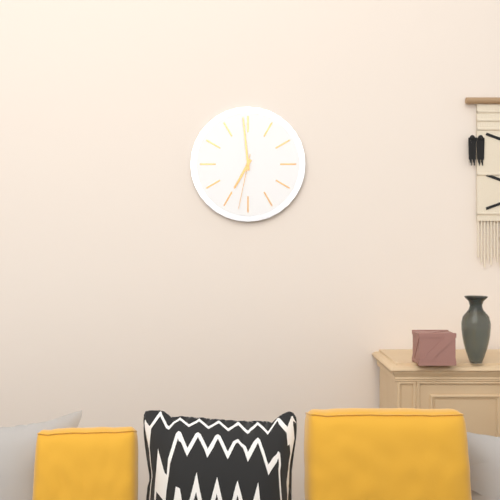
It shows 6:59:32
